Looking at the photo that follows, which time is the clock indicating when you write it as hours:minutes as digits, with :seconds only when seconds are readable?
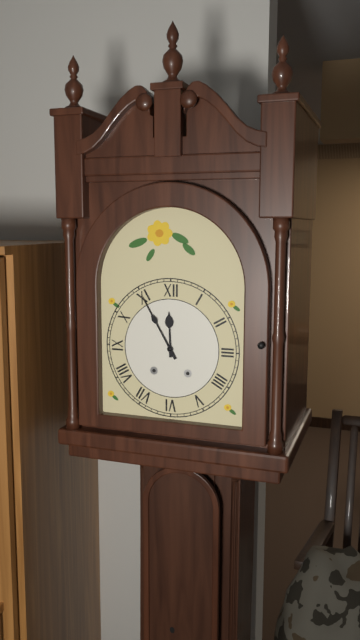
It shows 11:55
